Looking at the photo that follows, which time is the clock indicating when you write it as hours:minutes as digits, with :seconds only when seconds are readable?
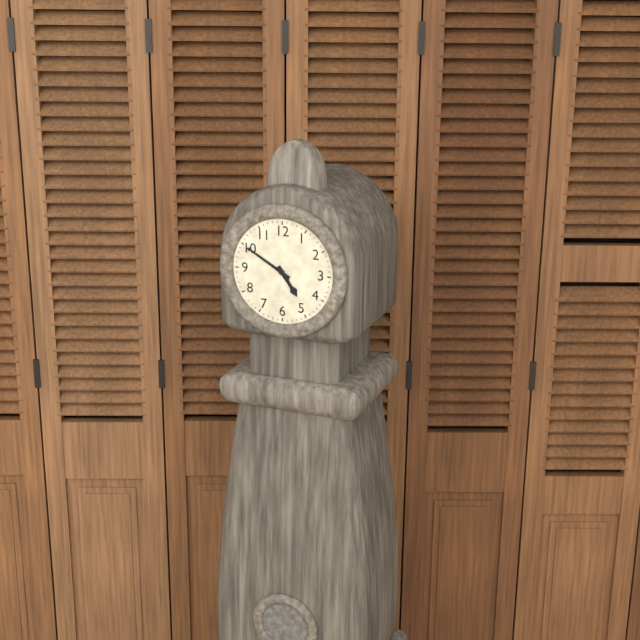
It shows 4:50
